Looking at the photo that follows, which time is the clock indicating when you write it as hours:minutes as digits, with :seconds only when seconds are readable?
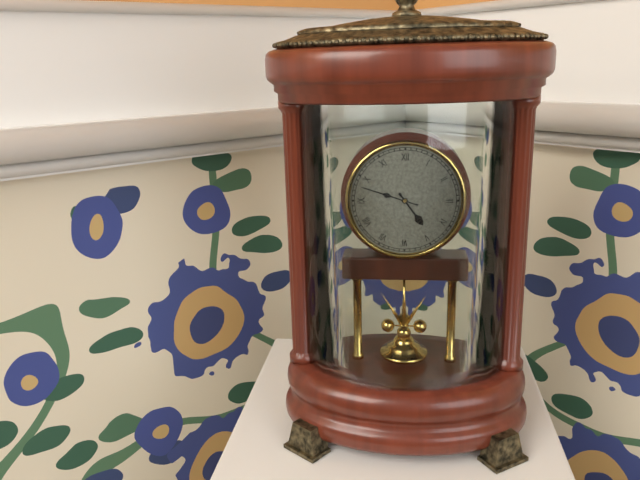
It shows 4:48
